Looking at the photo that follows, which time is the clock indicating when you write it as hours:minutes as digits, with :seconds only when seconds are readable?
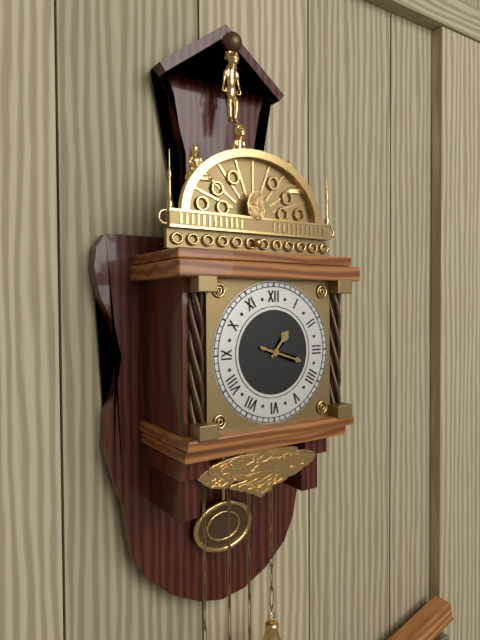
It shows 1:18
